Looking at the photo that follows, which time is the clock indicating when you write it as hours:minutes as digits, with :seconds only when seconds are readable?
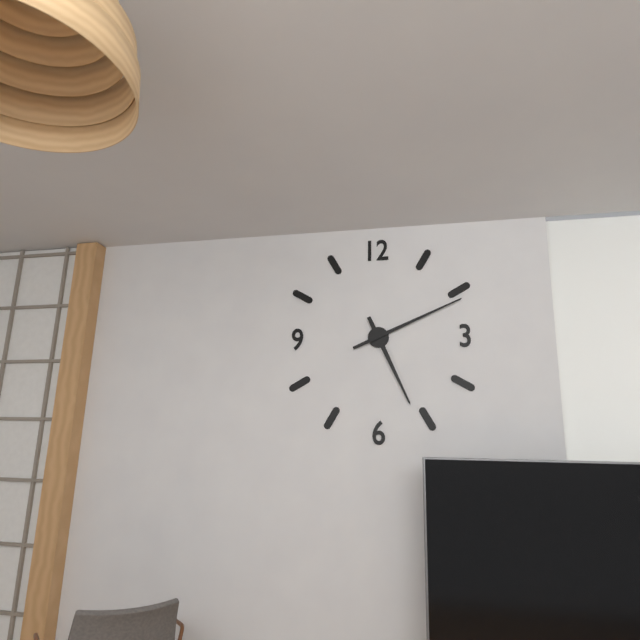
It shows 5:11
